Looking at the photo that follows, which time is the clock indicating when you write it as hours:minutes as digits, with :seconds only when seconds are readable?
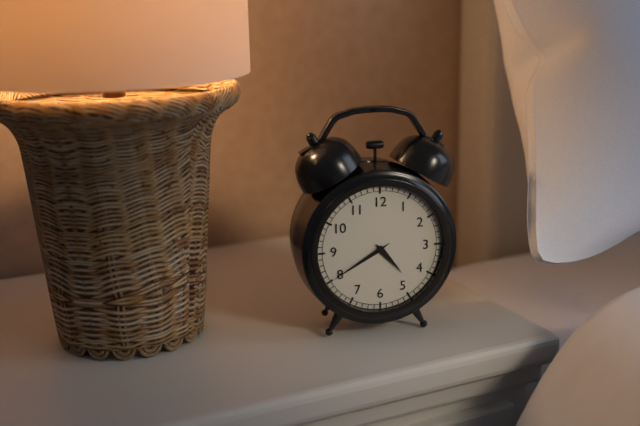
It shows 4:40
